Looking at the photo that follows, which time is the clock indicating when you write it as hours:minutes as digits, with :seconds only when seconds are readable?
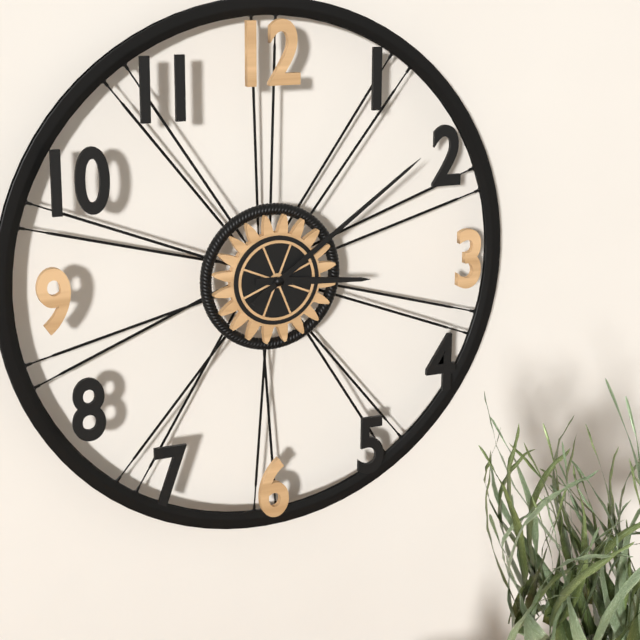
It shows 3:09
